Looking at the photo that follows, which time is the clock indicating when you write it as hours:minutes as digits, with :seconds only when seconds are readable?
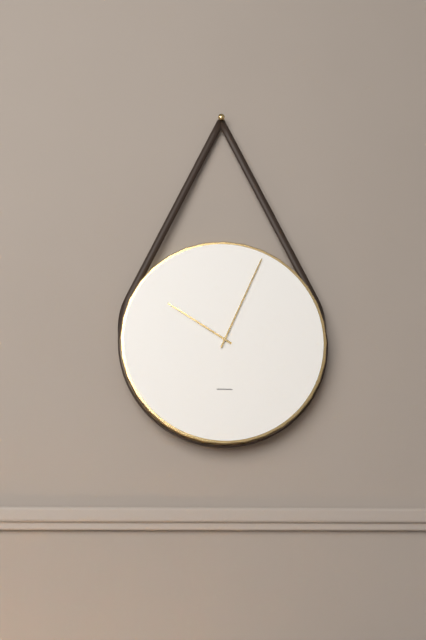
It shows 10:04
